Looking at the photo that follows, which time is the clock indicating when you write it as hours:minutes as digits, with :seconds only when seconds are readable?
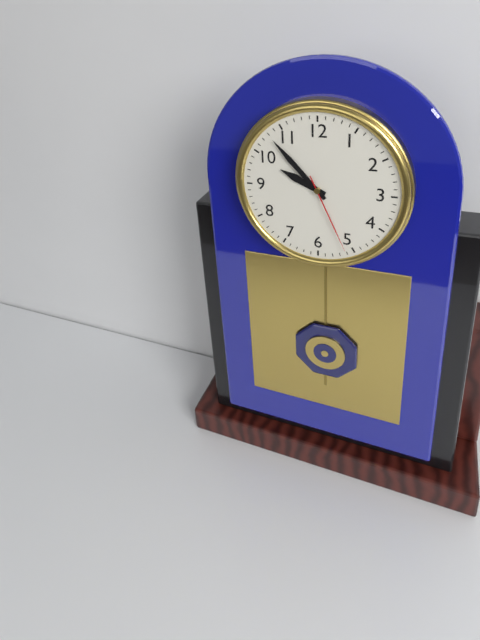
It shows 9:53:26
